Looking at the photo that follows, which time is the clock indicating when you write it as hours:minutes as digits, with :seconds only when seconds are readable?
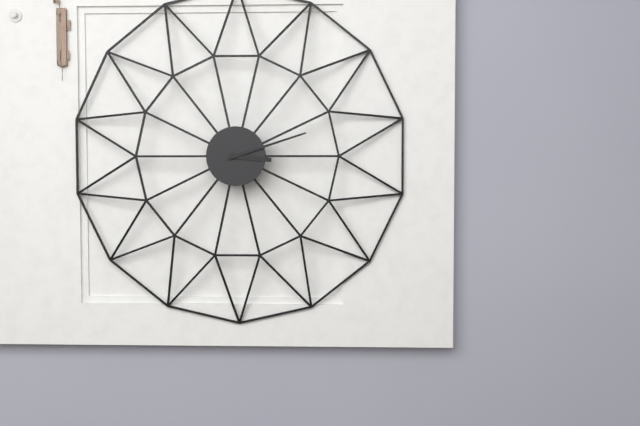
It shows 3:12
